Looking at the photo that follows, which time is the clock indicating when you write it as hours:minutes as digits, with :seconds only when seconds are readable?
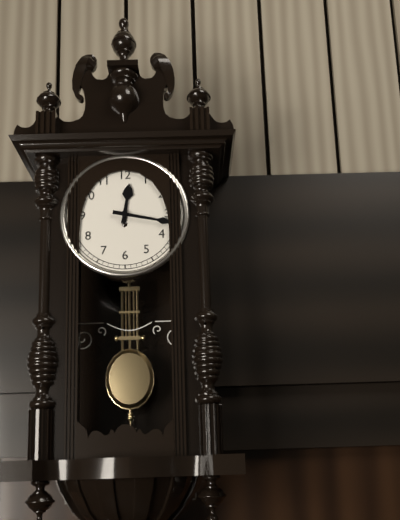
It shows 12:17
